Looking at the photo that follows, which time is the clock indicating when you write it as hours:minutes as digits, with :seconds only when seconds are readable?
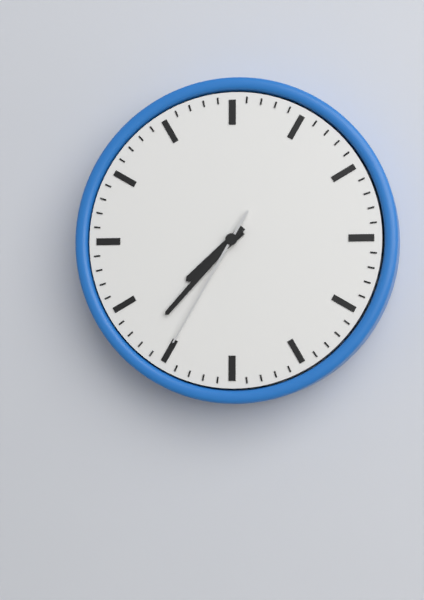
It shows 7:37:35
